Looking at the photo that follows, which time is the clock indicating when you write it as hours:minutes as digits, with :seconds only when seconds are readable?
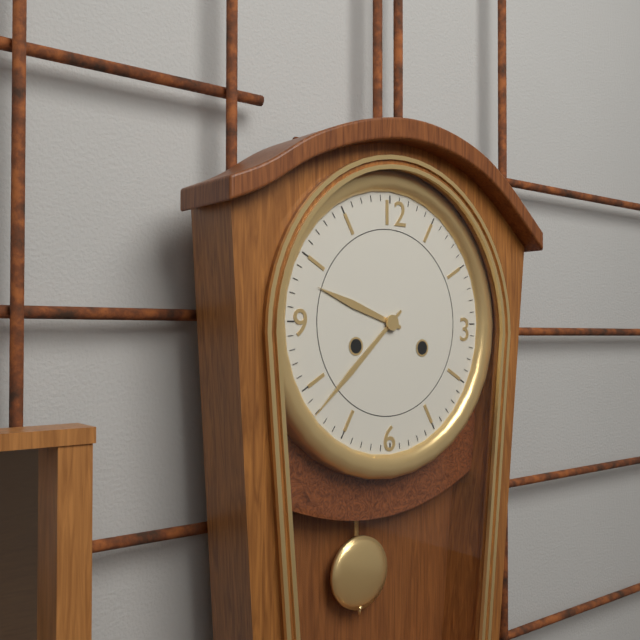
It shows 9:38
